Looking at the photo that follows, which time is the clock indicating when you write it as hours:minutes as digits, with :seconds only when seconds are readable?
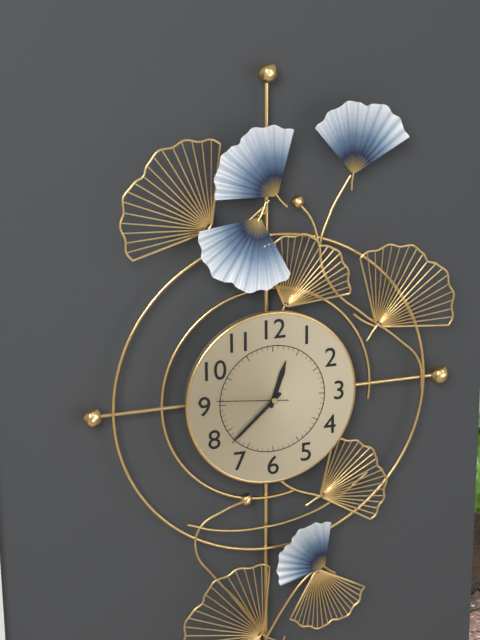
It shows 12:38:46
